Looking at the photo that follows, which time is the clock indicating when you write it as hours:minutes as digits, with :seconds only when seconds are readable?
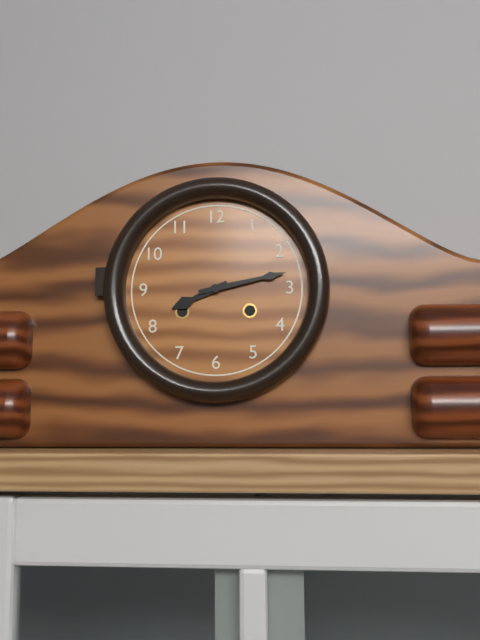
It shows 8:13
